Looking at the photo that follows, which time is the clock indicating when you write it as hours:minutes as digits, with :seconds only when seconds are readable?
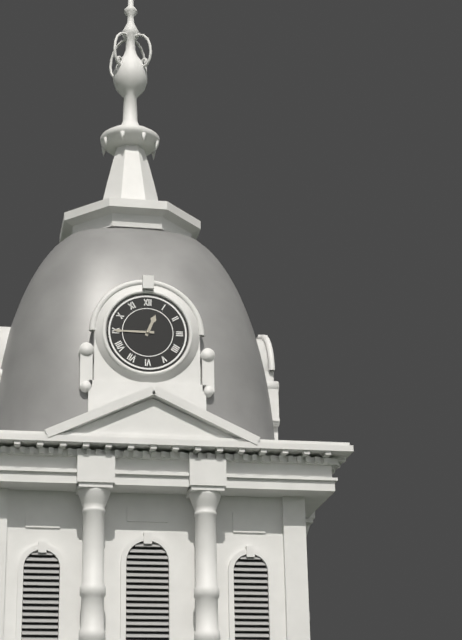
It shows 12:45
